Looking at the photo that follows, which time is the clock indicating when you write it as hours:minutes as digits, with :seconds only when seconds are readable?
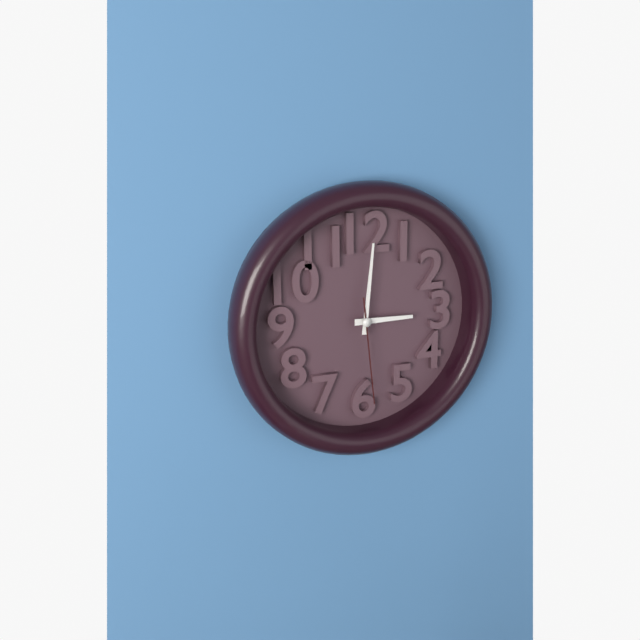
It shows 3:01:29
